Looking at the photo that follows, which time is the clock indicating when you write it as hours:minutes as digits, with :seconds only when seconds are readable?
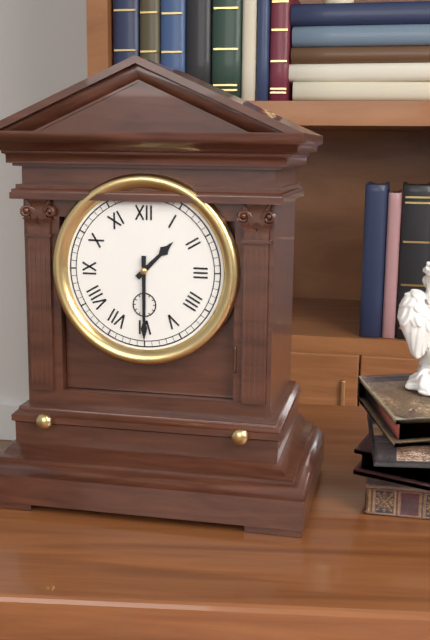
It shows 1:30
